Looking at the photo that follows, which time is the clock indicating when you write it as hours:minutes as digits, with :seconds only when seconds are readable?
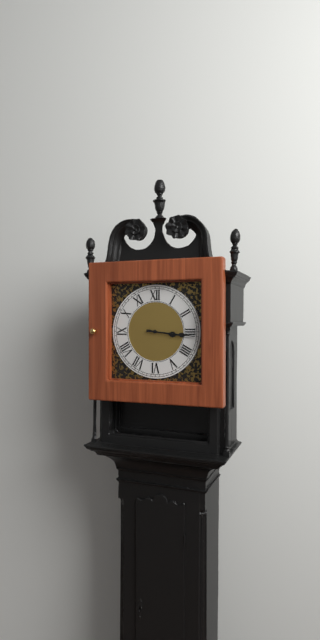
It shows 3:16
